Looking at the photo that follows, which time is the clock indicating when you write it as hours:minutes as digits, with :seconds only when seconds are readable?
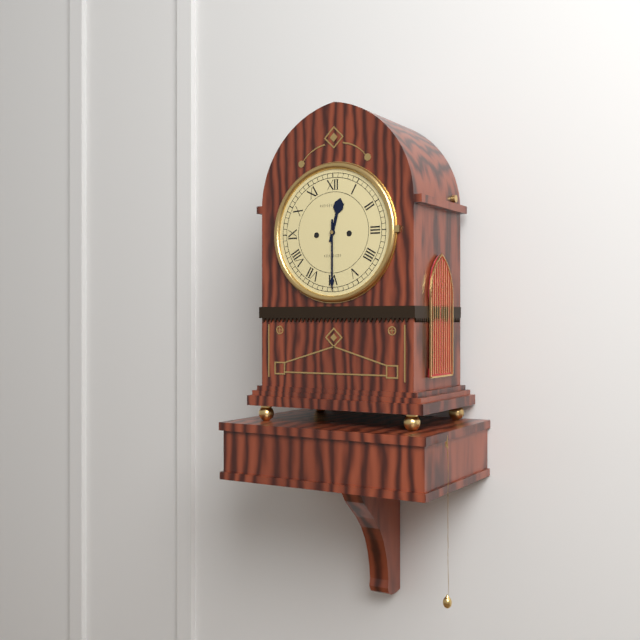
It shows 12:30
